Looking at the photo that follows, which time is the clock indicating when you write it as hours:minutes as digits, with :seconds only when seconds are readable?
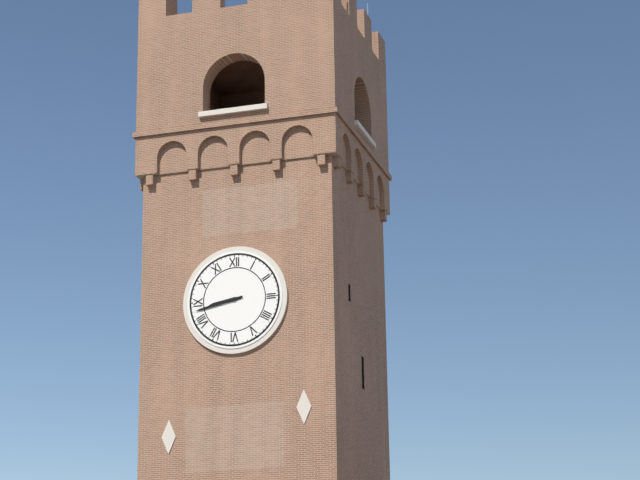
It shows 8:43
